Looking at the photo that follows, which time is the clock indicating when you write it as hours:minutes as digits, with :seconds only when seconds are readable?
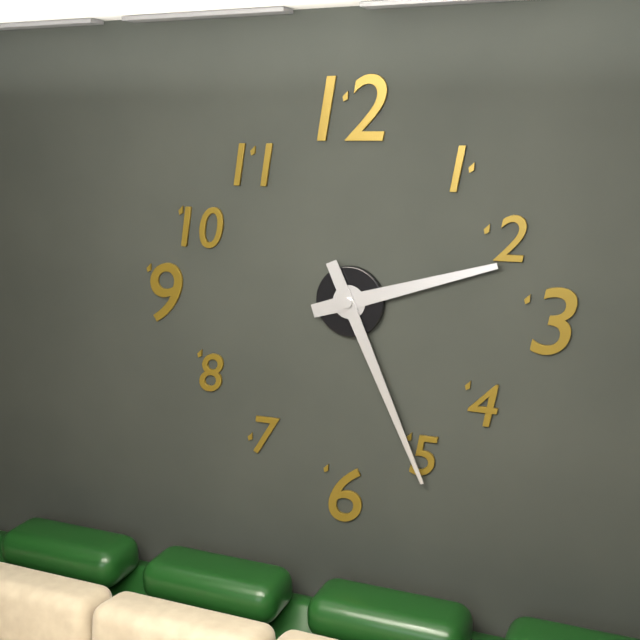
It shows 2:26
